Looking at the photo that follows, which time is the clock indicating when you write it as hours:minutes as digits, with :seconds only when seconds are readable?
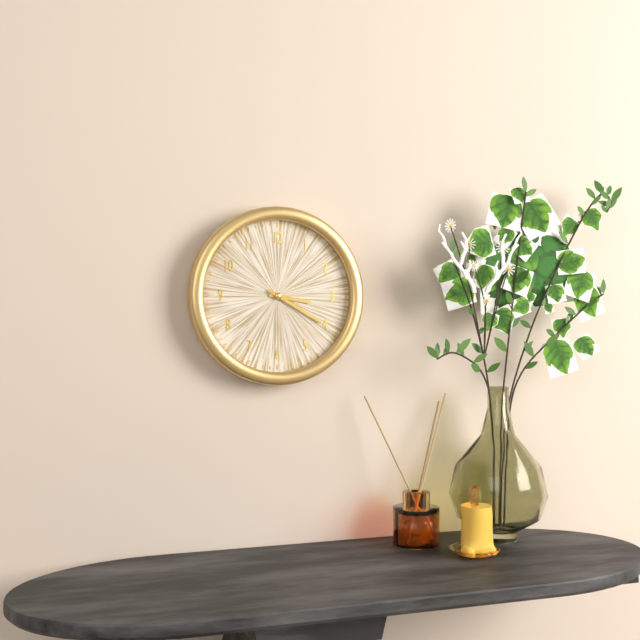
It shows 3:20
